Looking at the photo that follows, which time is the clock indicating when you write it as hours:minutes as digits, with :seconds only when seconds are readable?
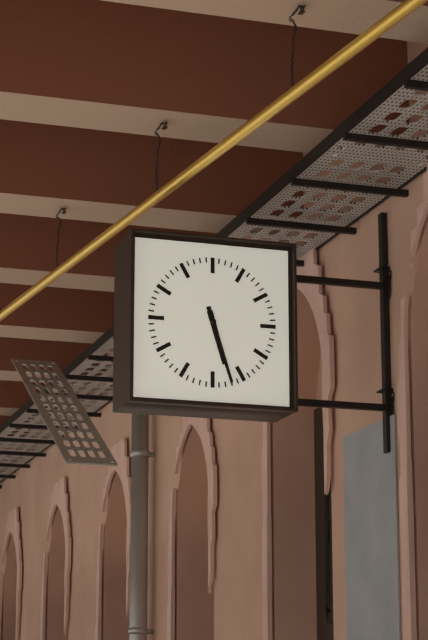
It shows 5:27
